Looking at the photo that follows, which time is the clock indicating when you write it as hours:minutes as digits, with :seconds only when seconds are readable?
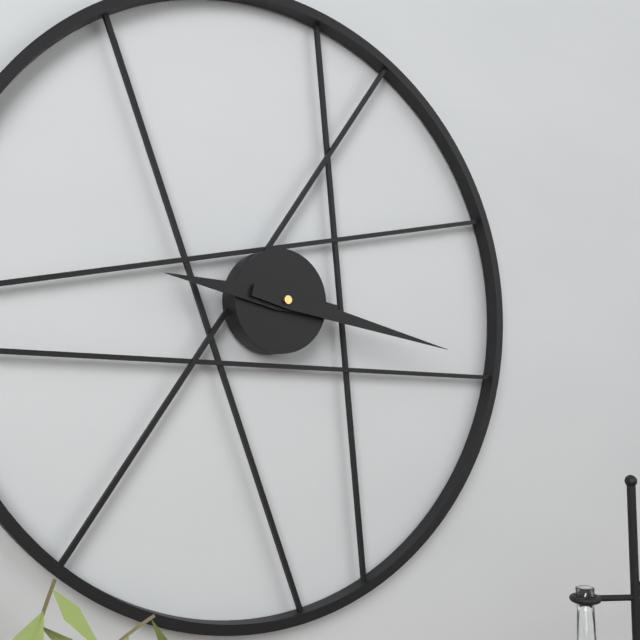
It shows 9:17
